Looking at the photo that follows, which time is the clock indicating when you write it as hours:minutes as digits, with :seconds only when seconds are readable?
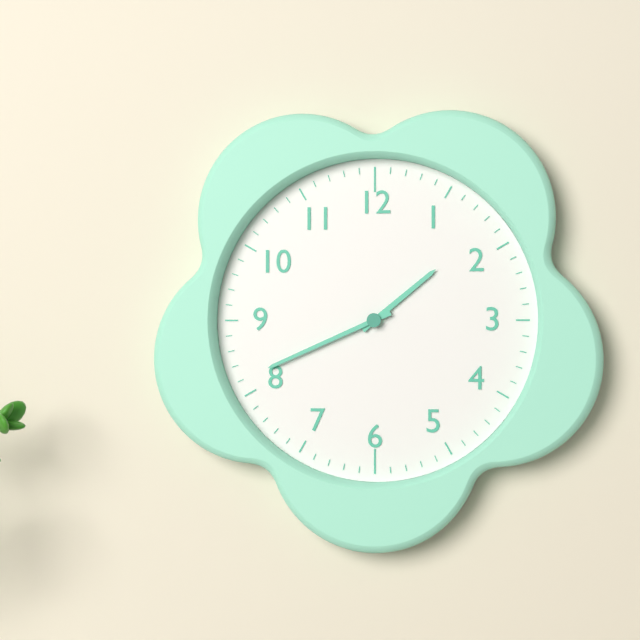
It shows 1:41
